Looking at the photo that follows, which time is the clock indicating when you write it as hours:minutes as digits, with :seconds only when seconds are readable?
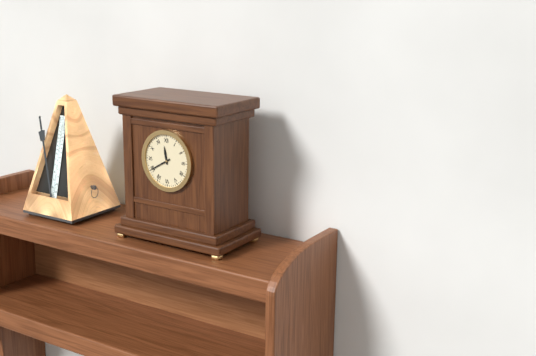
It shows 11:40
